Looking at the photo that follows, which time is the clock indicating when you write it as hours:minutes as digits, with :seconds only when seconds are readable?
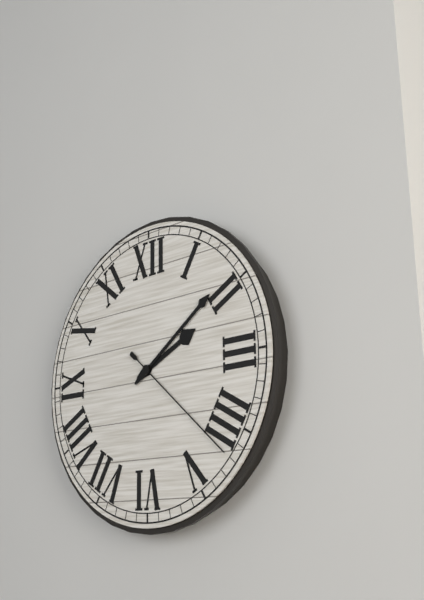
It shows 2:09:22
